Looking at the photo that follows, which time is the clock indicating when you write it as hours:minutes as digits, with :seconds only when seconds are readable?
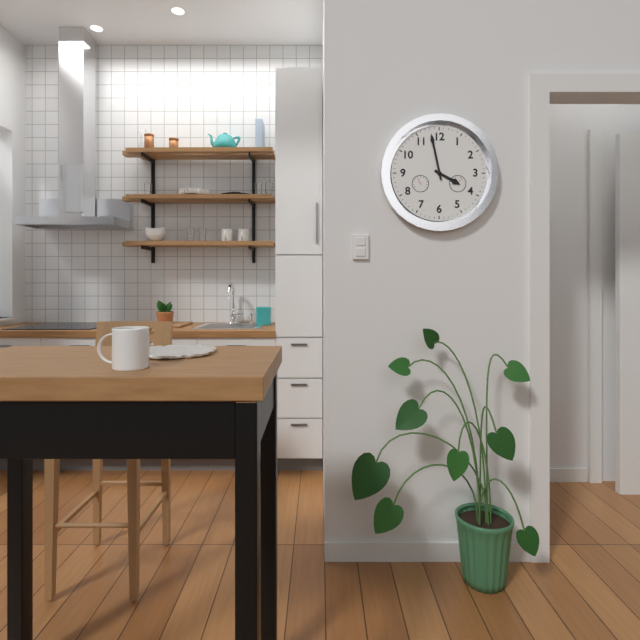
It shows 3:58
